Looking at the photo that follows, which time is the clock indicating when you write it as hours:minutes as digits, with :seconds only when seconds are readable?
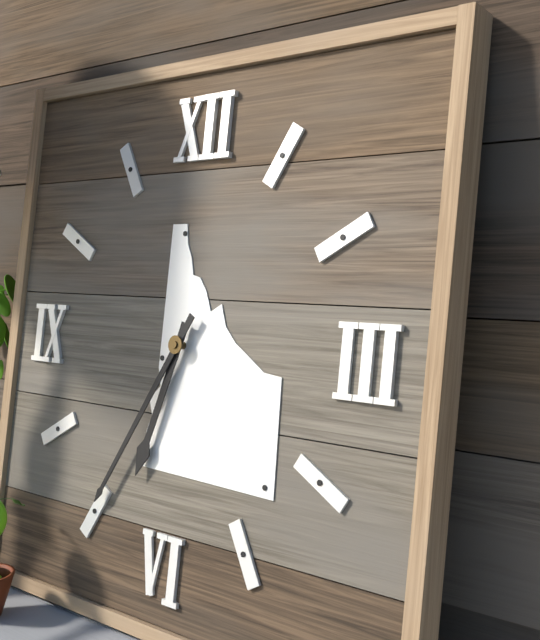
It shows 6:35
